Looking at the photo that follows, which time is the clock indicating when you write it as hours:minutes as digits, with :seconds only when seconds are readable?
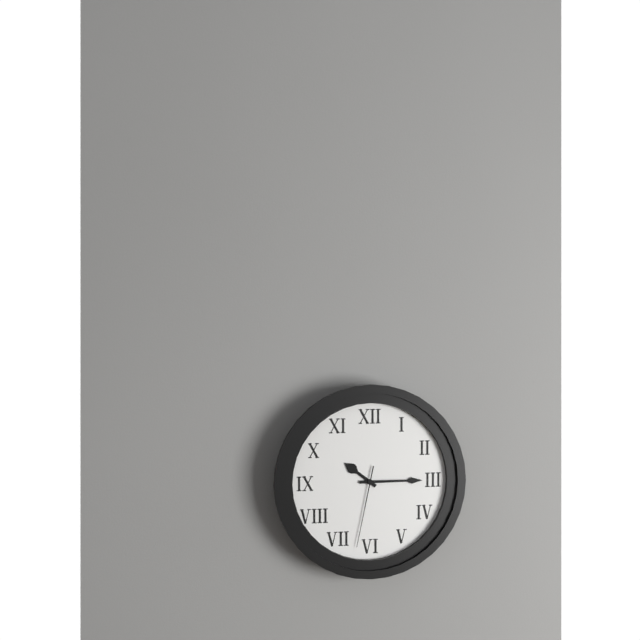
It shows 10:15:32
